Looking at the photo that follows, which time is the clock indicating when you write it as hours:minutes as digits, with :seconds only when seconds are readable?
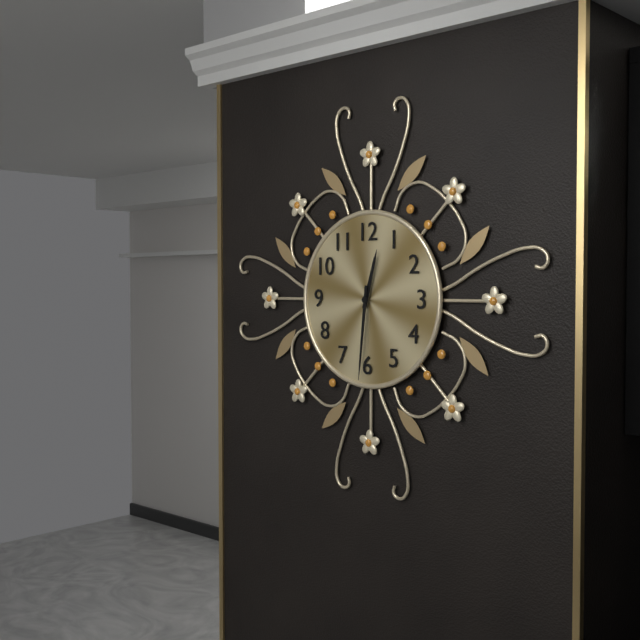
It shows 12:31
